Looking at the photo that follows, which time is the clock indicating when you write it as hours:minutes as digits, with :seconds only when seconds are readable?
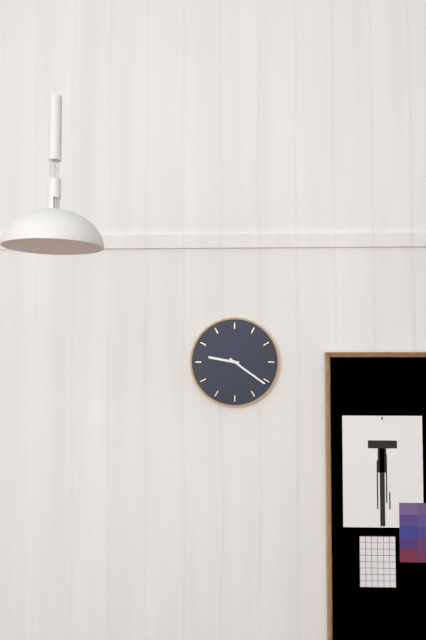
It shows 9:21
